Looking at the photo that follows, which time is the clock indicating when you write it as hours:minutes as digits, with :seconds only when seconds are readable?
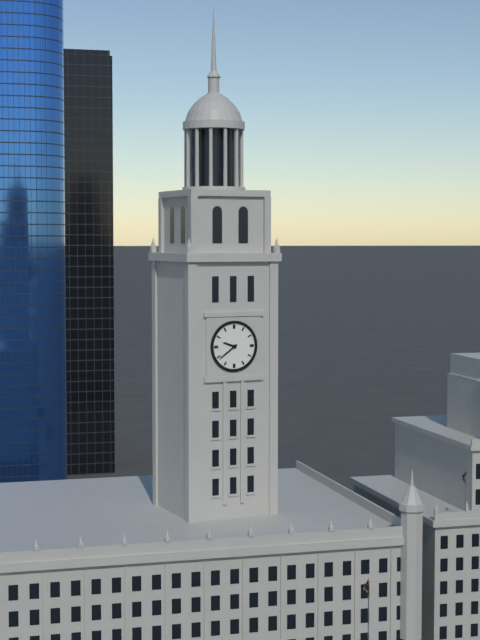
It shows 9:39
